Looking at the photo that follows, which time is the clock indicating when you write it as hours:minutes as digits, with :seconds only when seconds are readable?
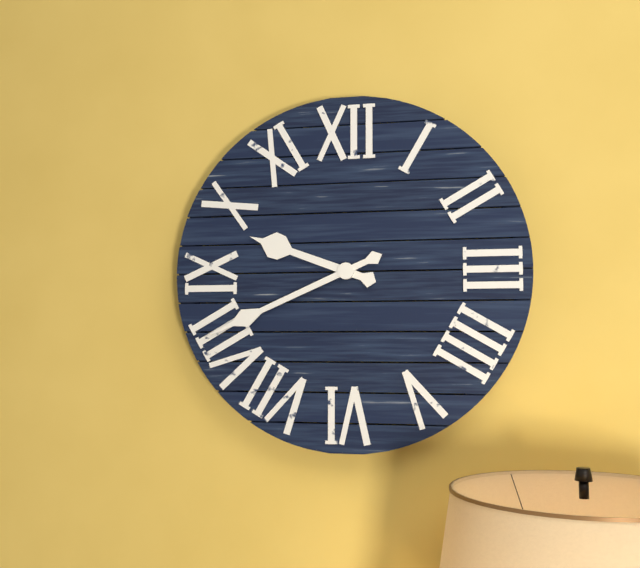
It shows 9:41
